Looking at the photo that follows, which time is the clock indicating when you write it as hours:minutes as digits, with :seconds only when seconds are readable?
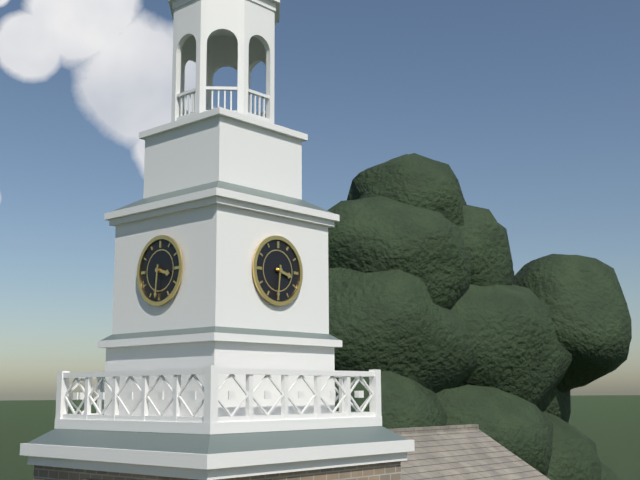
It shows 3:31
